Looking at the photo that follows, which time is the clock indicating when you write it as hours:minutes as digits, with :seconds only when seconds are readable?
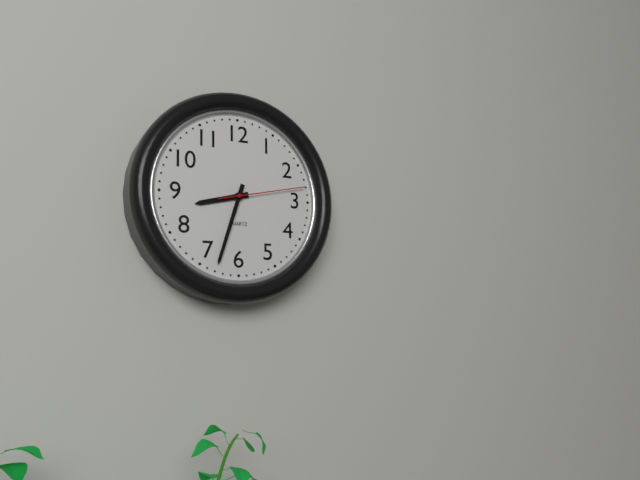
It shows 8:33:13
